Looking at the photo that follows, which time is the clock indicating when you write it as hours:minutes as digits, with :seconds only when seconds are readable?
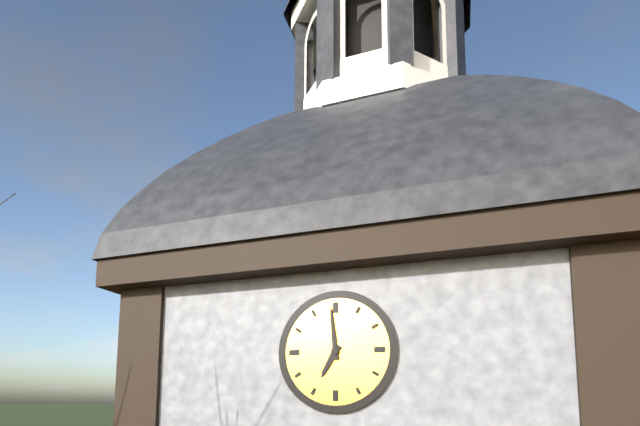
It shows 6:59
